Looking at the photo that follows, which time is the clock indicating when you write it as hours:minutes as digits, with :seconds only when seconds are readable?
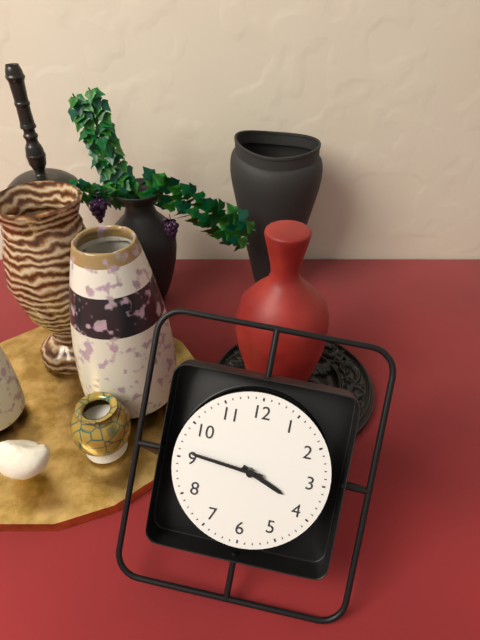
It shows 3:46
